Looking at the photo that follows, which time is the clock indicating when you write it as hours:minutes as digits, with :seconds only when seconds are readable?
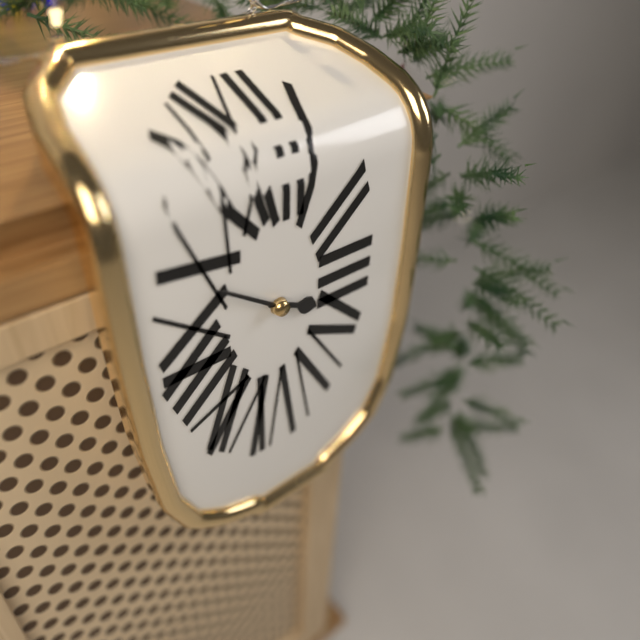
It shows 3:51
